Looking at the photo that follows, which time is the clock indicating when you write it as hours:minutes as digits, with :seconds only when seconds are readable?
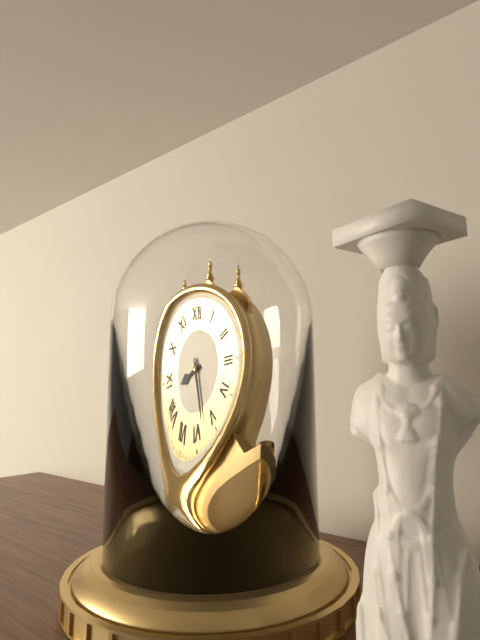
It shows 8:28
